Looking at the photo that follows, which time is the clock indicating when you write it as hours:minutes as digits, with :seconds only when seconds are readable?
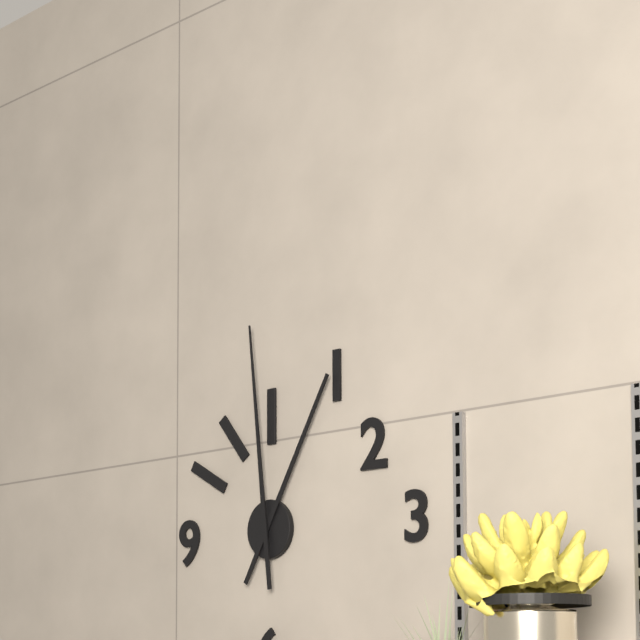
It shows 12:59
